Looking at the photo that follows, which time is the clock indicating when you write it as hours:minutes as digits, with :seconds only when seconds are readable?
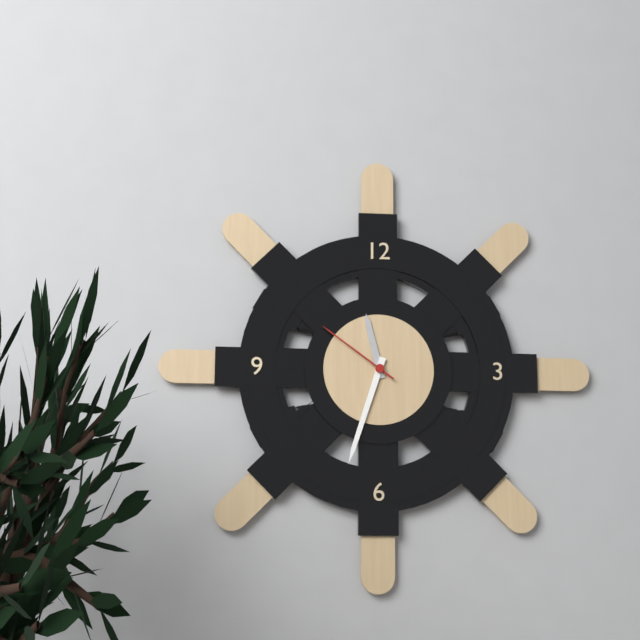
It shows 11:33:51
